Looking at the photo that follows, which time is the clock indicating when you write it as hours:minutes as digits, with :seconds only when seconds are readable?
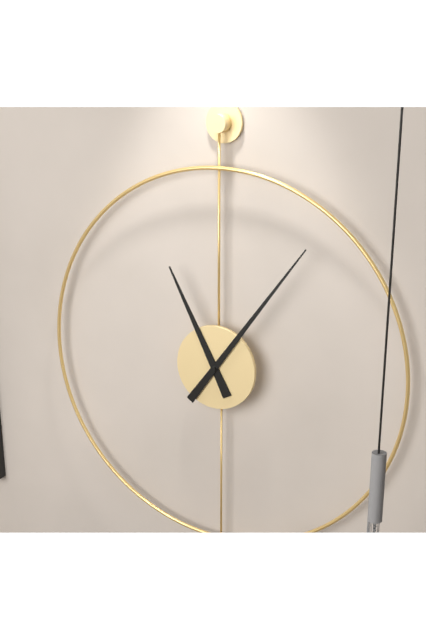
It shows 11:06
